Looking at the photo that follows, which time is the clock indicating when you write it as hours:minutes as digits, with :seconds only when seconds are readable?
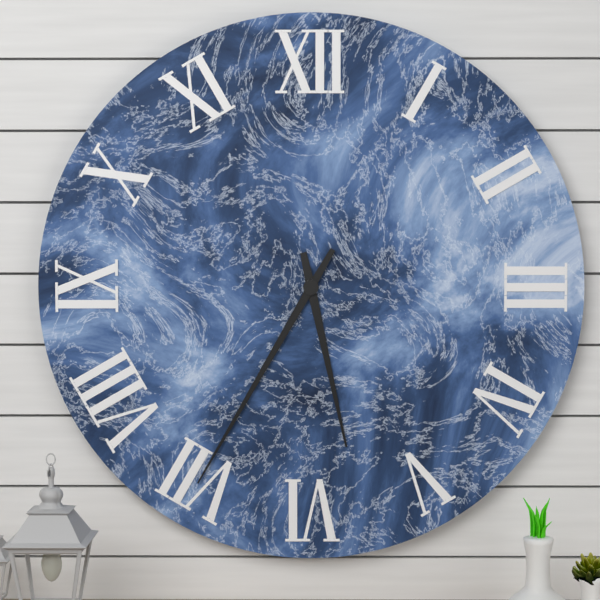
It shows 5:35
